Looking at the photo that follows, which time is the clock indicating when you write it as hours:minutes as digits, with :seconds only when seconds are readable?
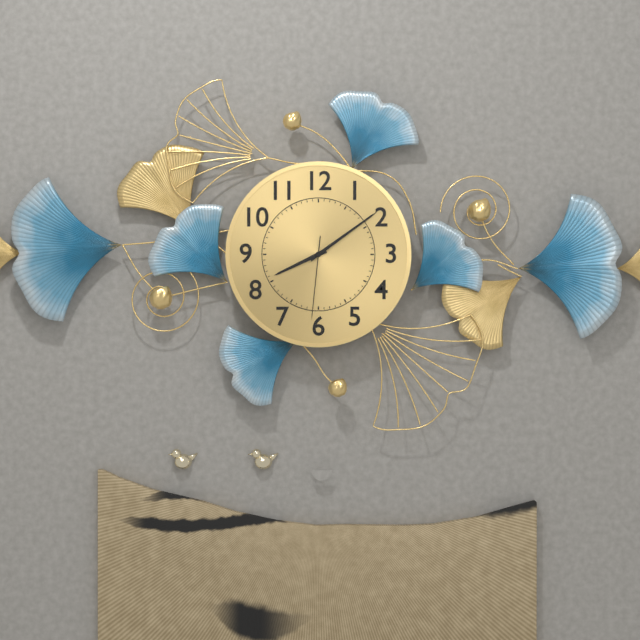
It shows 8:09:31
